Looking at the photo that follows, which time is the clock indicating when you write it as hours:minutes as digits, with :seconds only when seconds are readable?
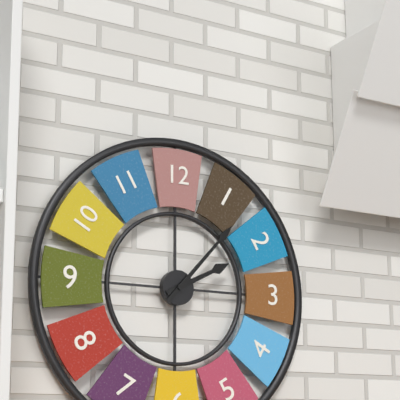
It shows 2:07
